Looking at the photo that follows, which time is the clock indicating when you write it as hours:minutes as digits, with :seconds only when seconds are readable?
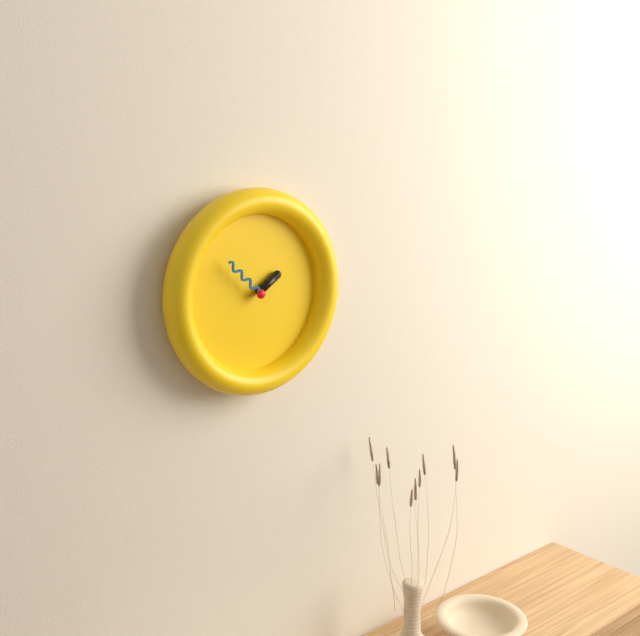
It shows 1:52
